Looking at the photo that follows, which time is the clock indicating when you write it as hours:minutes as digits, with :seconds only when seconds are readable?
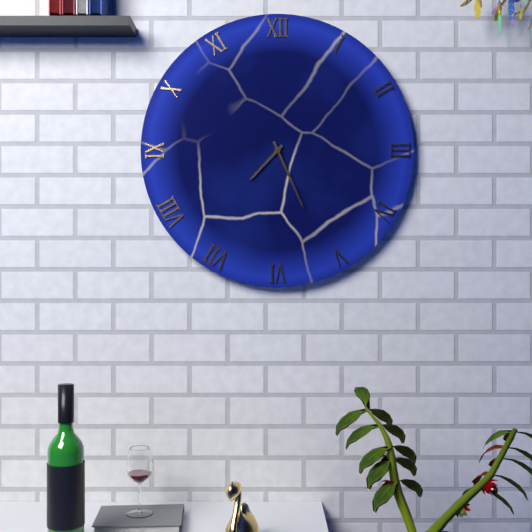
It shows 7:26
